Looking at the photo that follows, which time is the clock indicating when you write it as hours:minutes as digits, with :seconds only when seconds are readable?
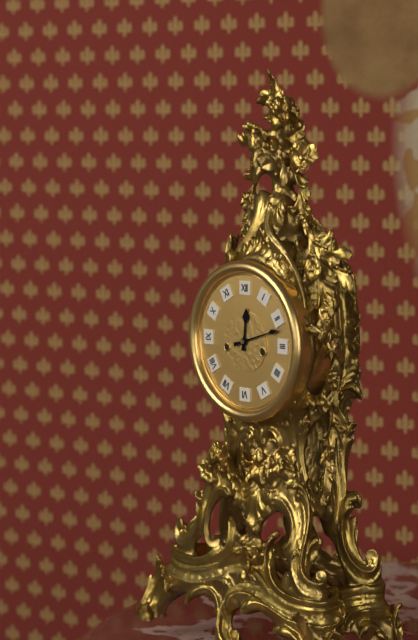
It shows 12:12
